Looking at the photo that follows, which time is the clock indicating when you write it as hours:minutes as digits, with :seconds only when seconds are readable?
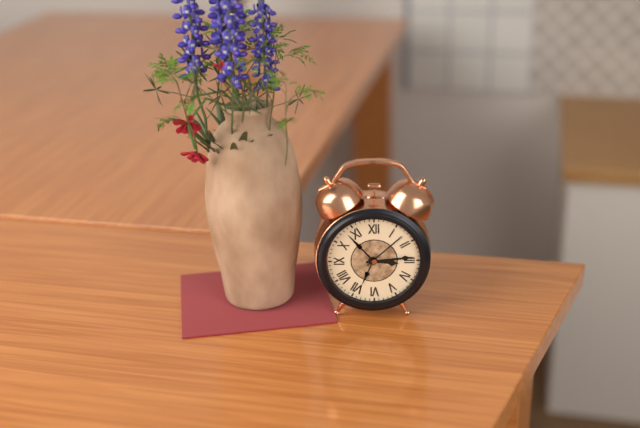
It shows 3:14
